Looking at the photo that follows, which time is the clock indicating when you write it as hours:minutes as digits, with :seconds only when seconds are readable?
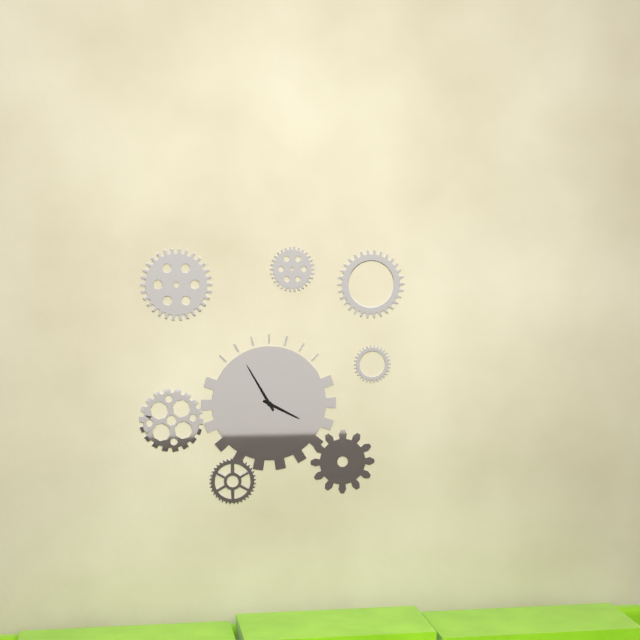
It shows 3:55
